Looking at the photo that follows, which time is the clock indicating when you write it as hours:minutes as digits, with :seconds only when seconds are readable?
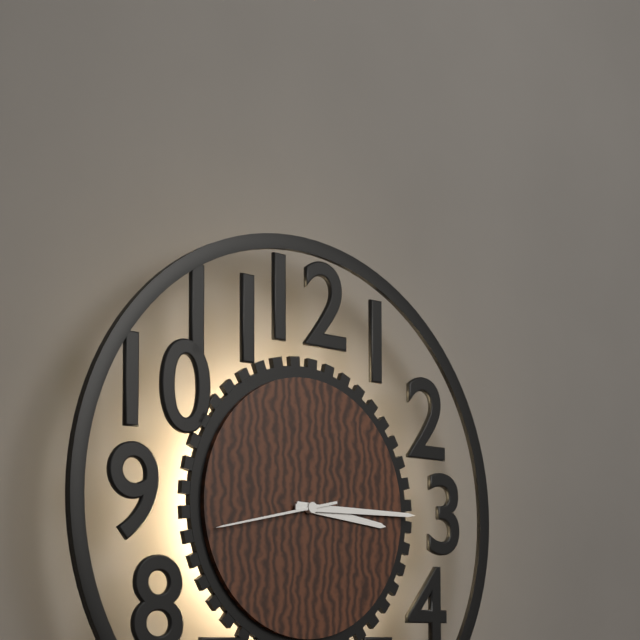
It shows 3:15:43
